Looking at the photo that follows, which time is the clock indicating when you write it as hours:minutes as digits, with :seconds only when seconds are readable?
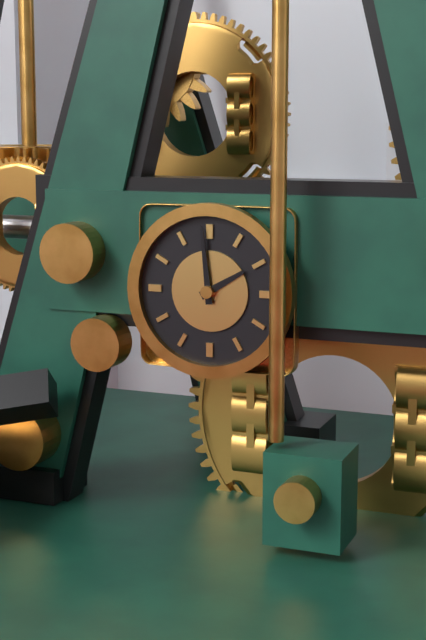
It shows 1:59
